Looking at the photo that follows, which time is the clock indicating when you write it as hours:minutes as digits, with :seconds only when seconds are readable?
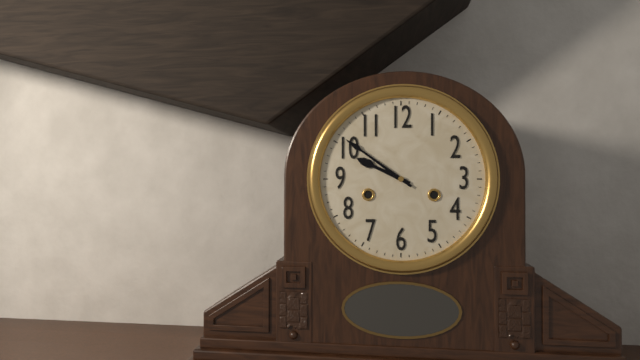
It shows 9:51
